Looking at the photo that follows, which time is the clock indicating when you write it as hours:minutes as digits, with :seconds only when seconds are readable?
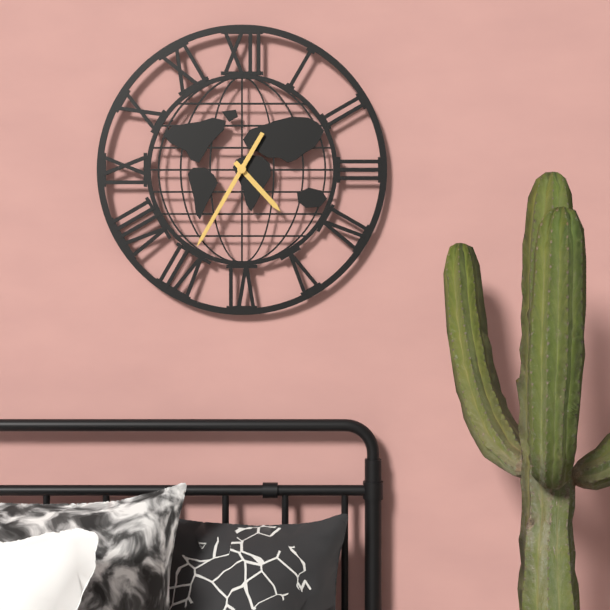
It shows 4:35
